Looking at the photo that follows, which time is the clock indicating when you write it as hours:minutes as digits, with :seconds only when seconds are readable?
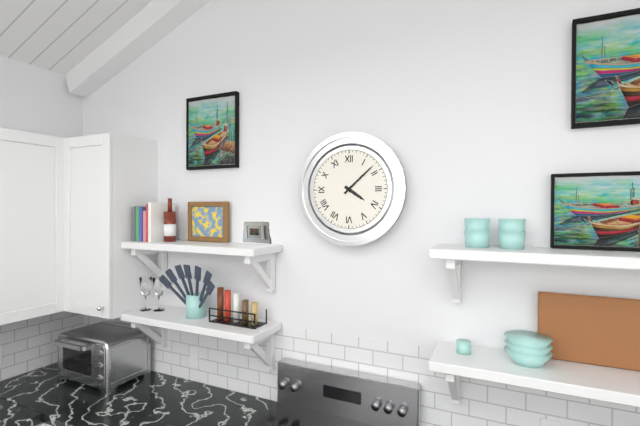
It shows 4:08
